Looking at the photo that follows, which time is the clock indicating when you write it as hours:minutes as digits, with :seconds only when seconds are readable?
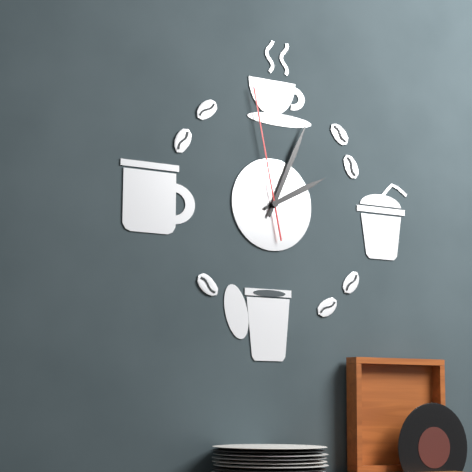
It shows 2:04:58
